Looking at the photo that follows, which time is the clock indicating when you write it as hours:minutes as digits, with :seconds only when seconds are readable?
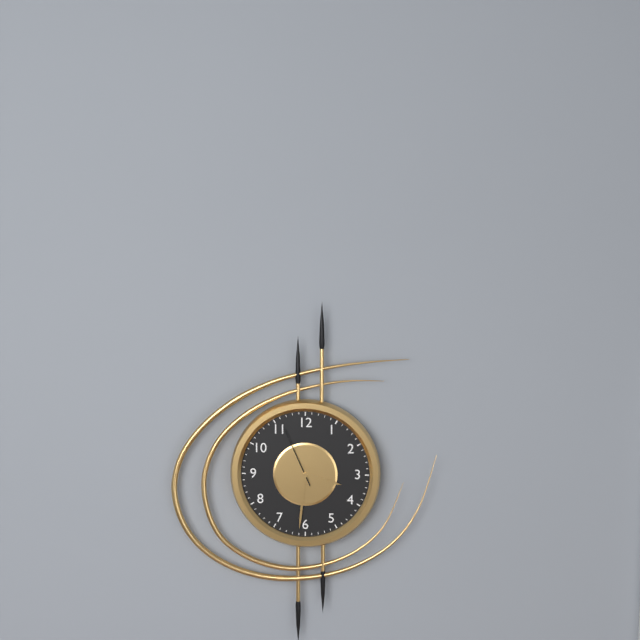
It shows 3:31:56
